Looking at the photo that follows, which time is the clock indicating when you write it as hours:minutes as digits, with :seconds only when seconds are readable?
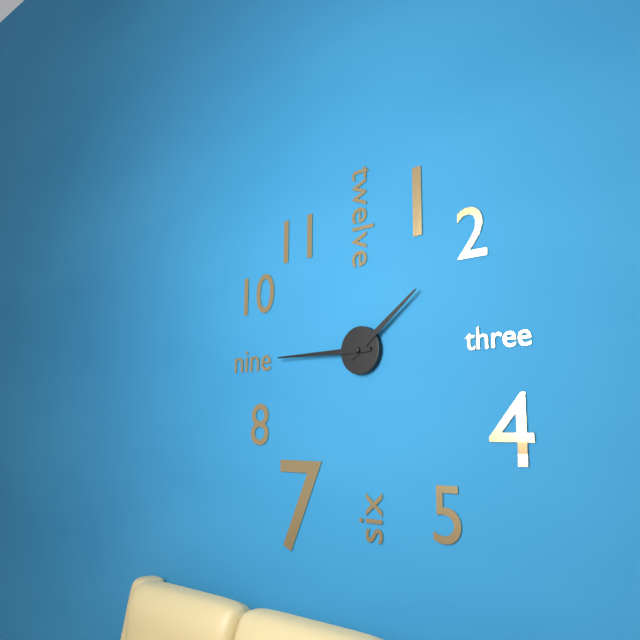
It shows 1:45
